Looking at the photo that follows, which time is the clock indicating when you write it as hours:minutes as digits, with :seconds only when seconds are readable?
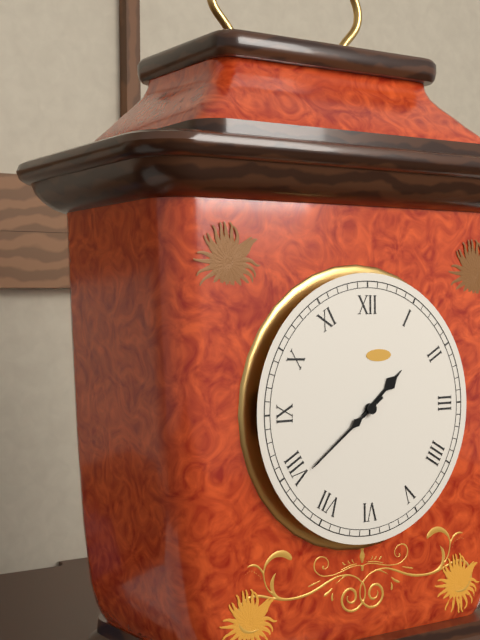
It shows 1:39
